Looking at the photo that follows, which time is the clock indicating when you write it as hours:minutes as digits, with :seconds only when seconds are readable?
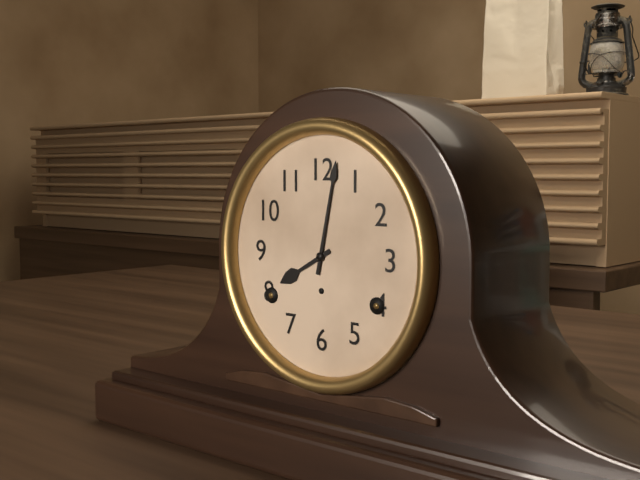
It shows 8:02
